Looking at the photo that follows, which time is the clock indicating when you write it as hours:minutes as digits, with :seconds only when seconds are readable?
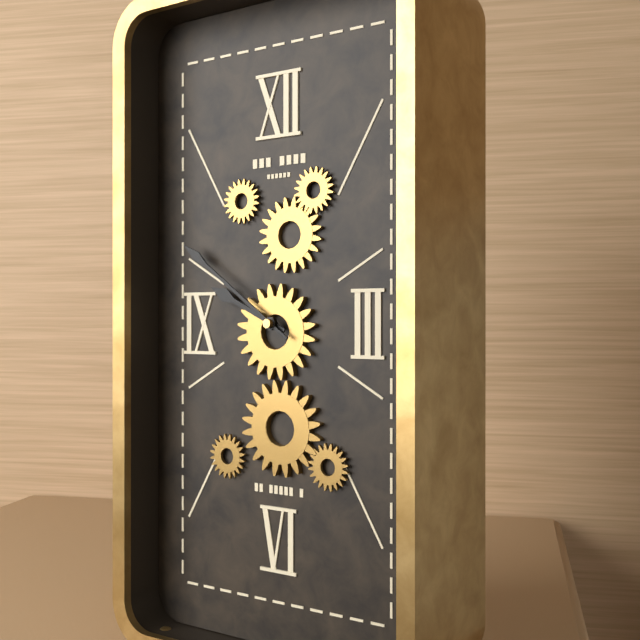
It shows 9:51
